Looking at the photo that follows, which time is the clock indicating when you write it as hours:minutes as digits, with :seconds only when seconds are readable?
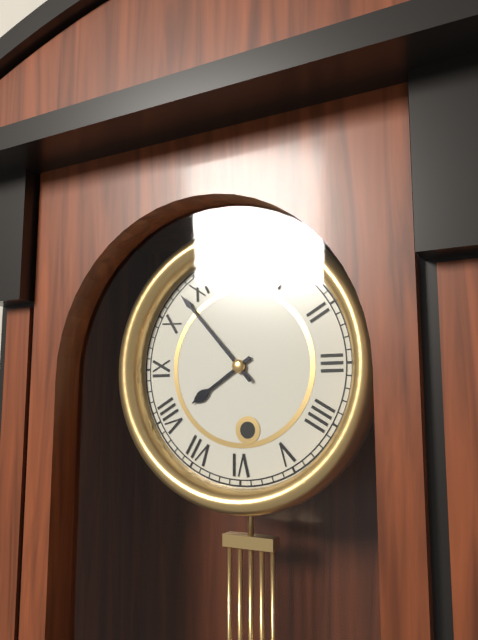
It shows 7:53
